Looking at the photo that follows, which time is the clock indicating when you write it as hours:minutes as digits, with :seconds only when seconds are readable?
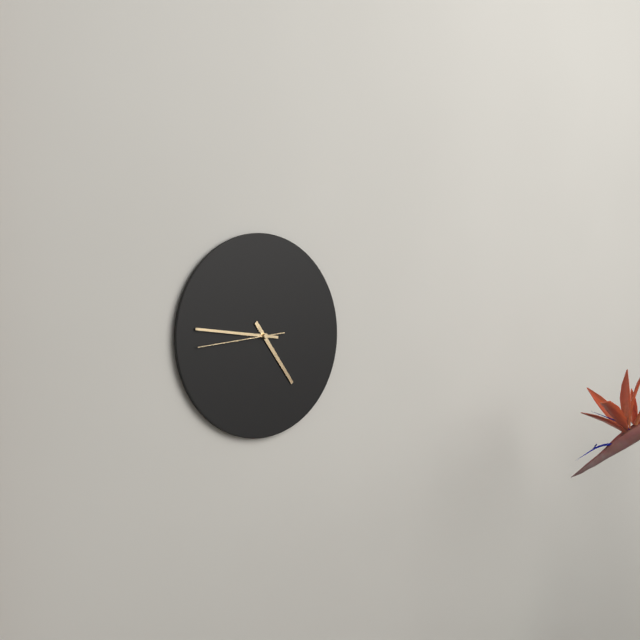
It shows 4:46:44
